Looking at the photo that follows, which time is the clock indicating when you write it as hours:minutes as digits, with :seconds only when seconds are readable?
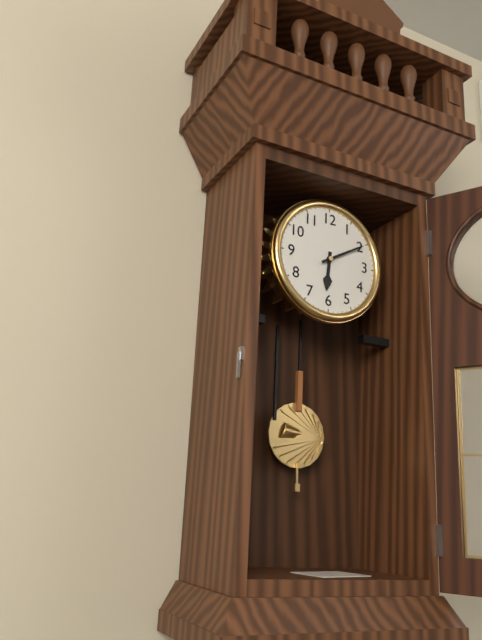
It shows 6:10
